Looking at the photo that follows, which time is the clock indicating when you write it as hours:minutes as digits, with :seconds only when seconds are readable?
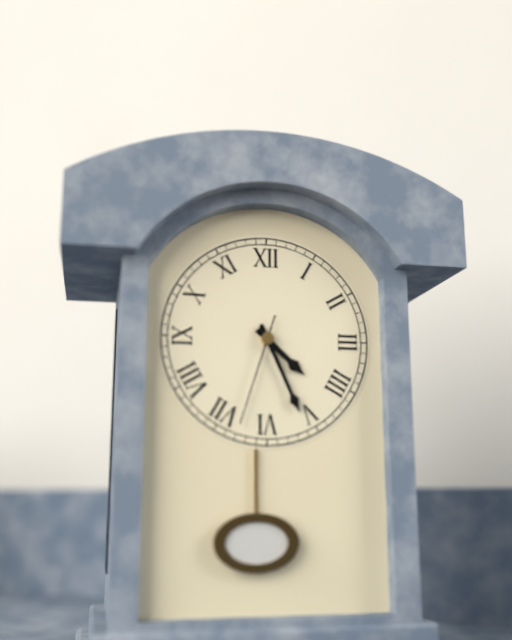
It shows 4:26:33
